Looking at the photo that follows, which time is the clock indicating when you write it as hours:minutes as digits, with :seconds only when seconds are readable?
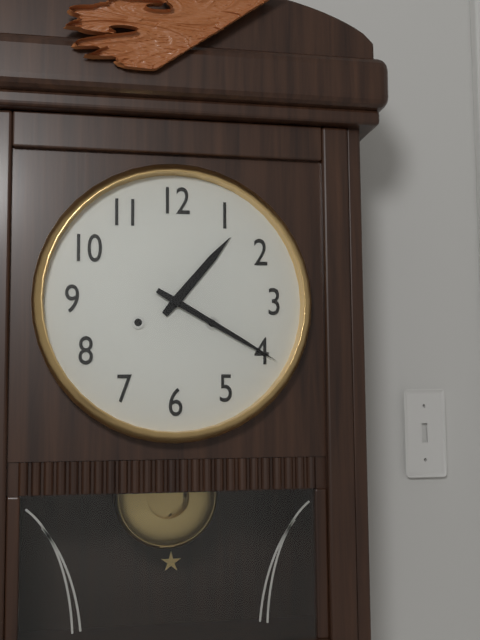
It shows 1:20
